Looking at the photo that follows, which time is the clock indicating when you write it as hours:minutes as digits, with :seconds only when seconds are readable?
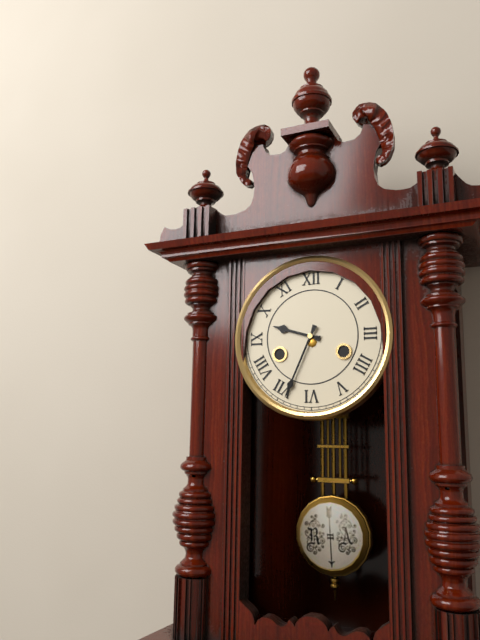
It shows 9:34
